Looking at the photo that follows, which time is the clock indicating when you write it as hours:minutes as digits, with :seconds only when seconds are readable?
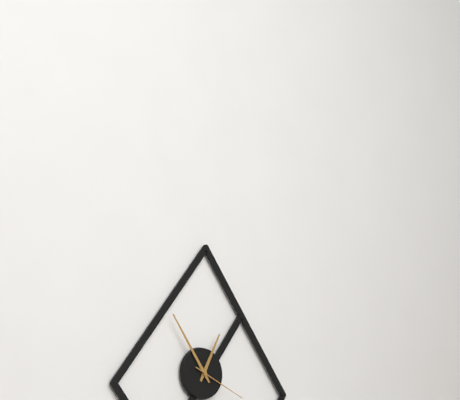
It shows 12:54:19
